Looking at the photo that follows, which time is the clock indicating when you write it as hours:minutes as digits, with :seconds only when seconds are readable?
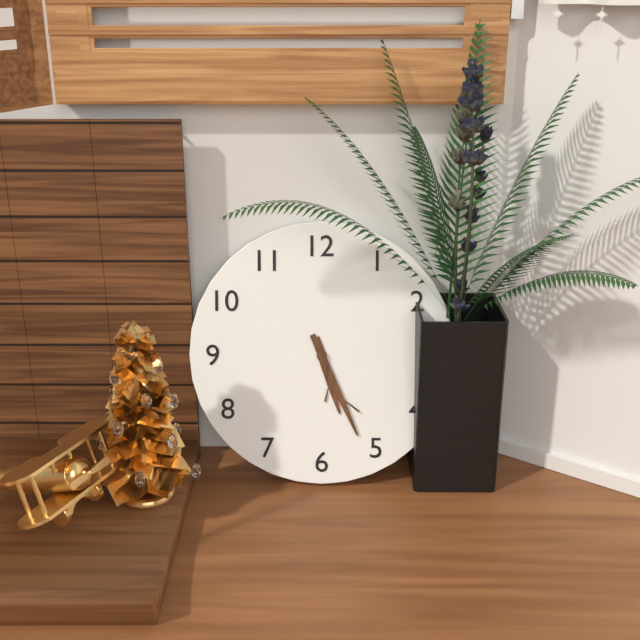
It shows 5:26
